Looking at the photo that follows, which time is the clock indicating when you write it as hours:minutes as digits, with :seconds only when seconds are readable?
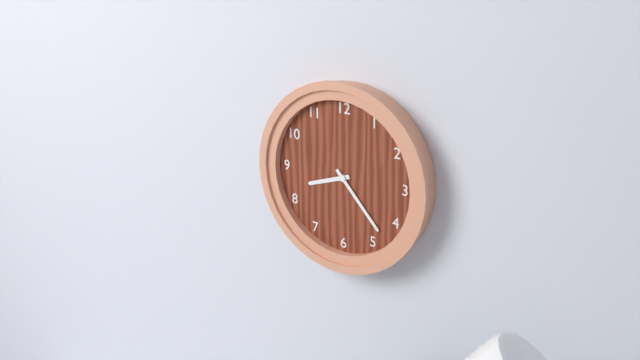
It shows 8:23
